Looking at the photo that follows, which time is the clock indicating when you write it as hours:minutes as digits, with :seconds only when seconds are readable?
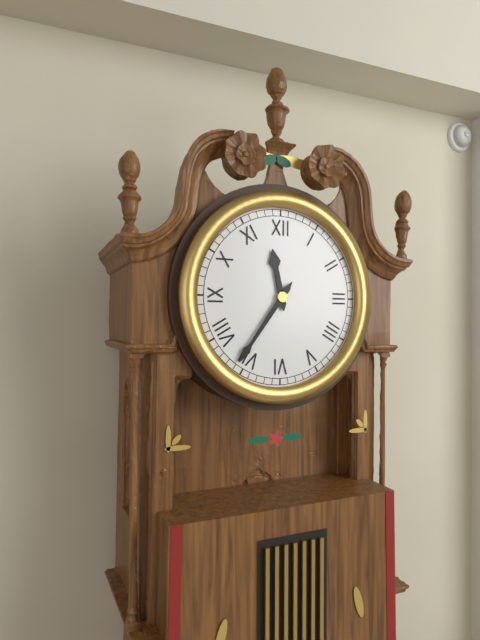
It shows 11:36
